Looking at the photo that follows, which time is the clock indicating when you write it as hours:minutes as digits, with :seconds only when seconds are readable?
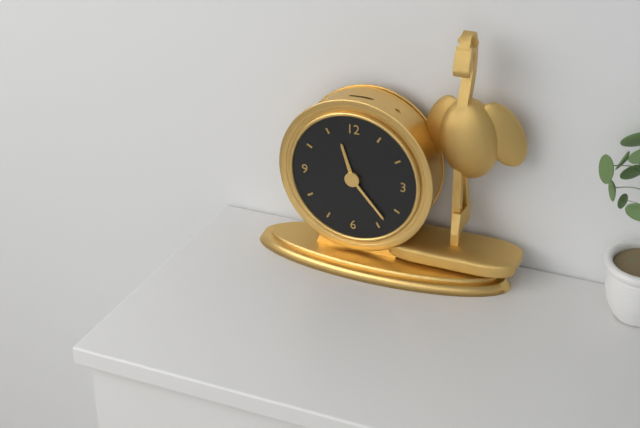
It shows 11:23
